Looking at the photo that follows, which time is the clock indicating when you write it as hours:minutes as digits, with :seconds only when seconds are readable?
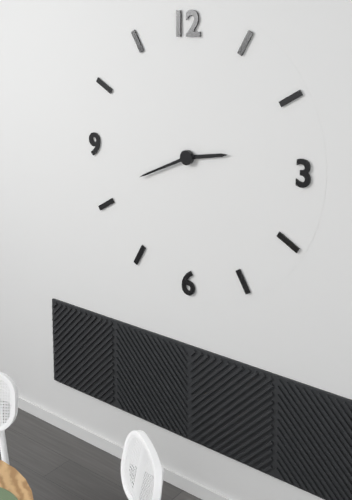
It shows 2:41
